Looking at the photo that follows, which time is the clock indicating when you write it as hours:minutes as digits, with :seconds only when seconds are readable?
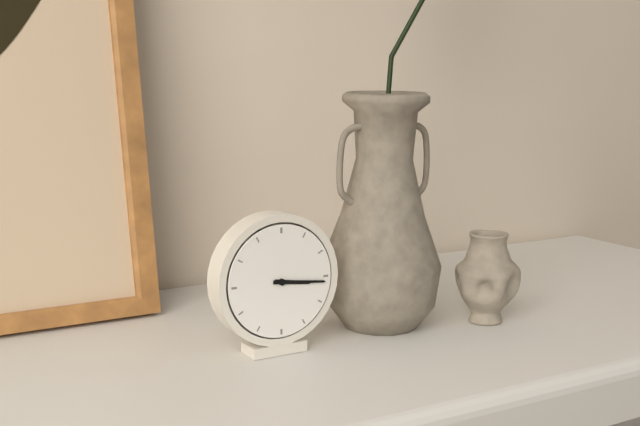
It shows 3:16
